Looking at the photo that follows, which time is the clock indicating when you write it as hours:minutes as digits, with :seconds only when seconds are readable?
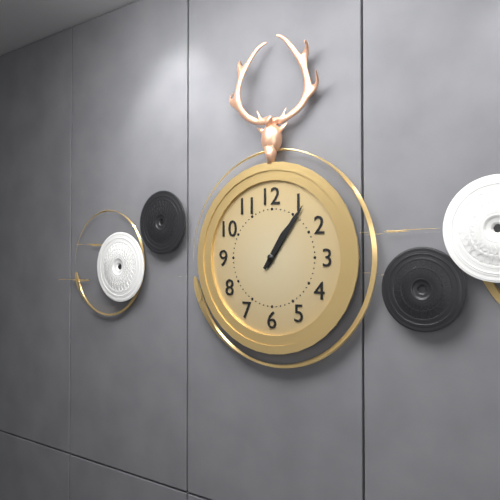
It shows 1:06
